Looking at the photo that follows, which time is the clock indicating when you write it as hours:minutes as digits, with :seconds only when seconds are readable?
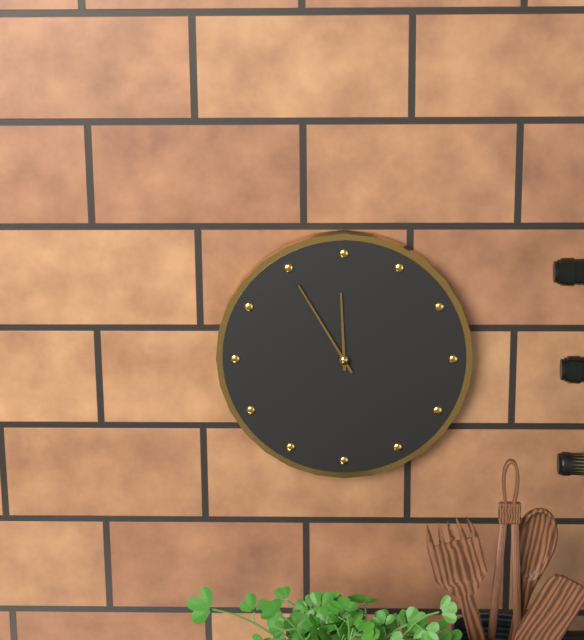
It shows 11:55
